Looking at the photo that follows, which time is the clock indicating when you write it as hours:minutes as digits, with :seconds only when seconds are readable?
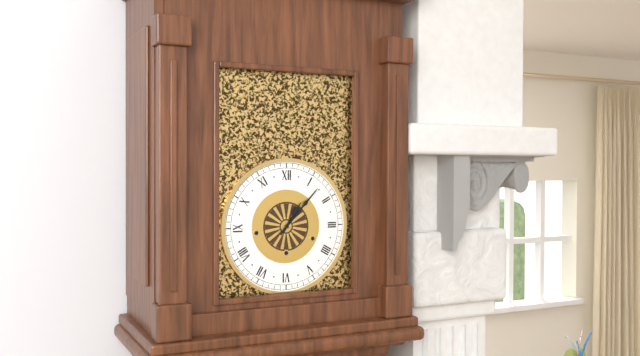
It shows 1:07
